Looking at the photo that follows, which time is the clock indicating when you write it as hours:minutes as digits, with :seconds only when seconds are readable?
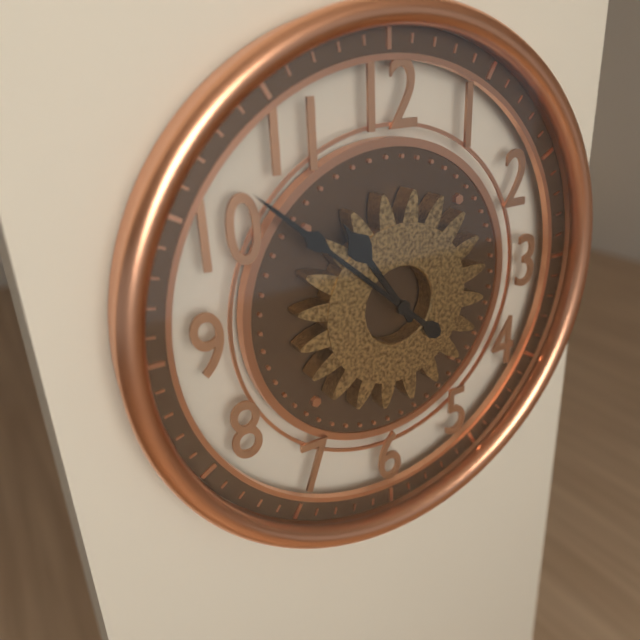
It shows 10:52
